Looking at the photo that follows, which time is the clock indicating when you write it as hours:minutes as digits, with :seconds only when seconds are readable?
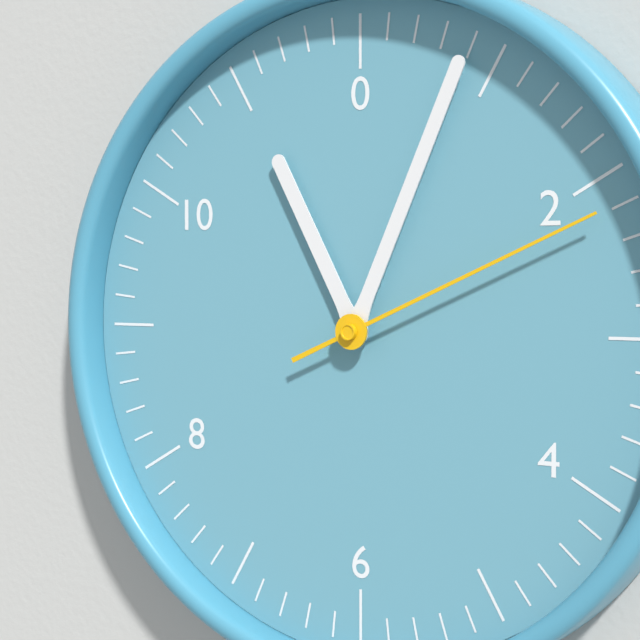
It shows 11:04:11
